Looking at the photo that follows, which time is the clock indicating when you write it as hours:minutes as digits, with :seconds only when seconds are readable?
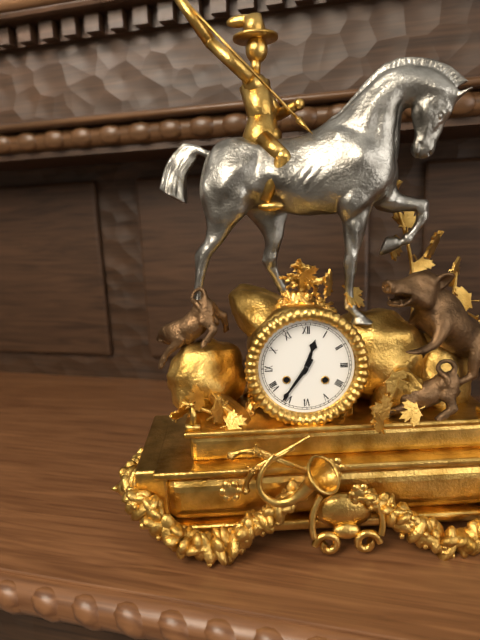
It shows 12:36
